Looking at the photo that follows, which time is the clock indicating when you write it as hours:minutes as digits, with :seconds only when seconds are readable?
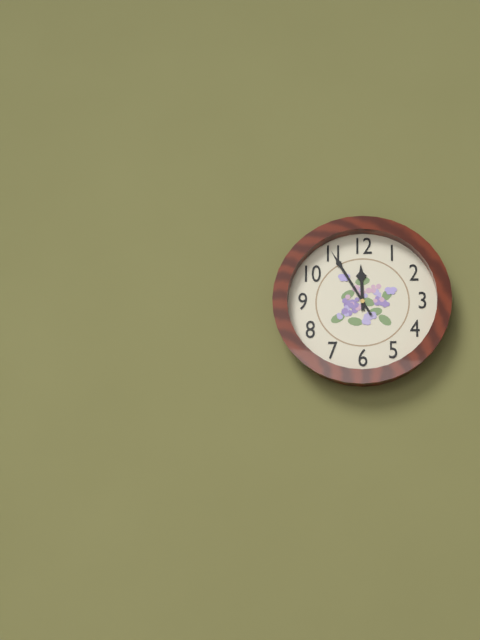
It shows 11:55
